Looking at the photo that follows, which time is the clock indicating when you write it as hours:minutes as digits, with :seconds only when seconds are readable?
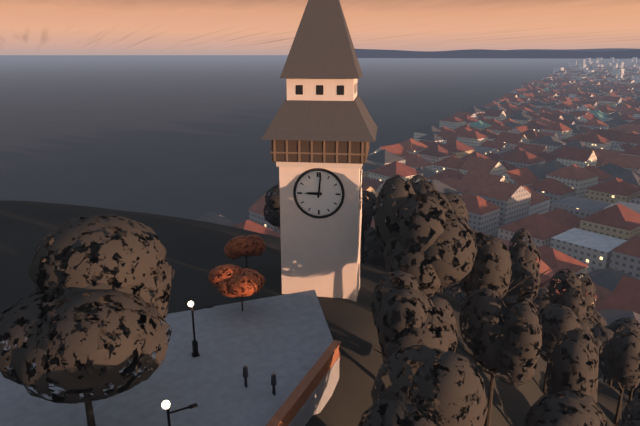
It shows 9:01
